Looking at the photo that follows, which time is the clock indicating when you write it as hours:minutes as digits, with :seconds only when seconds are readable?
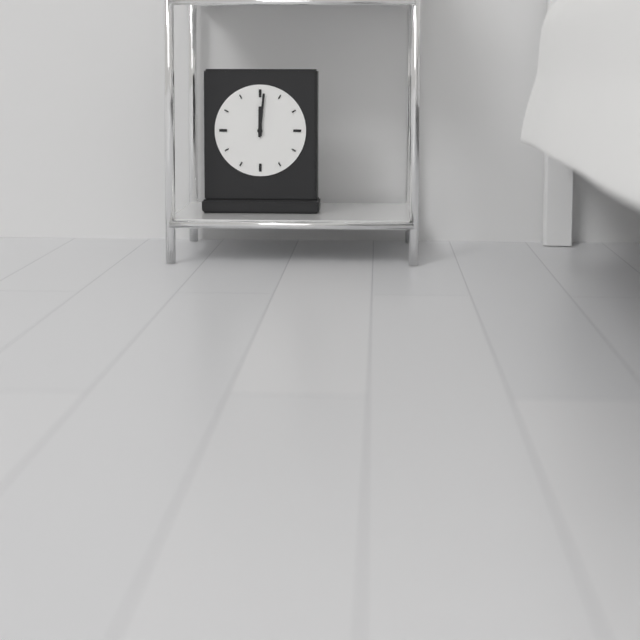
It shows 12:01
